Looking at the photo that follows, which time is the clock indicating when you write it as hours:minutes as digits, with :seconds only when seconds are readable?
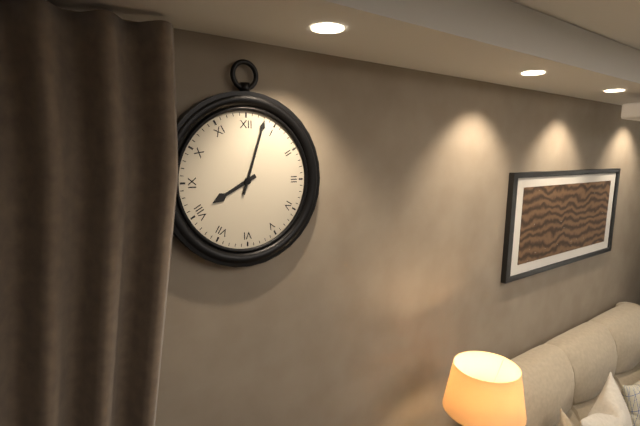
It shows 8:03
